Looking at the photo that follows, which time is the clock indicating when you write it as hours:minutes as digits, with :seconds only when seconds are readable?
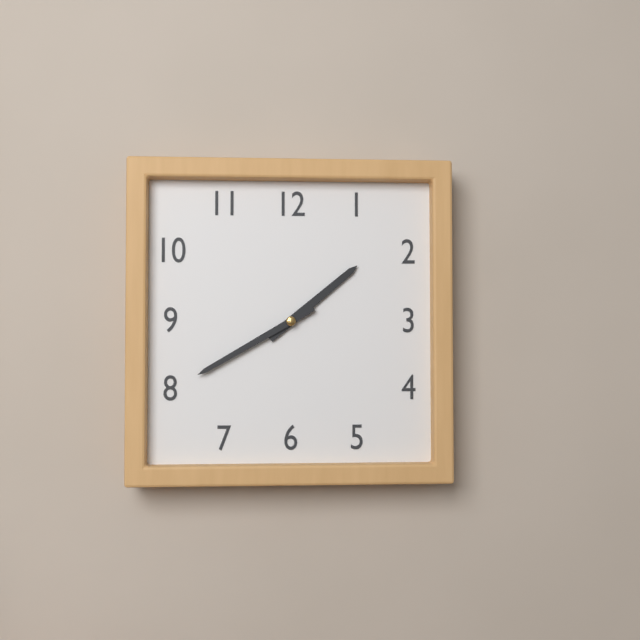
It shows 1:40
